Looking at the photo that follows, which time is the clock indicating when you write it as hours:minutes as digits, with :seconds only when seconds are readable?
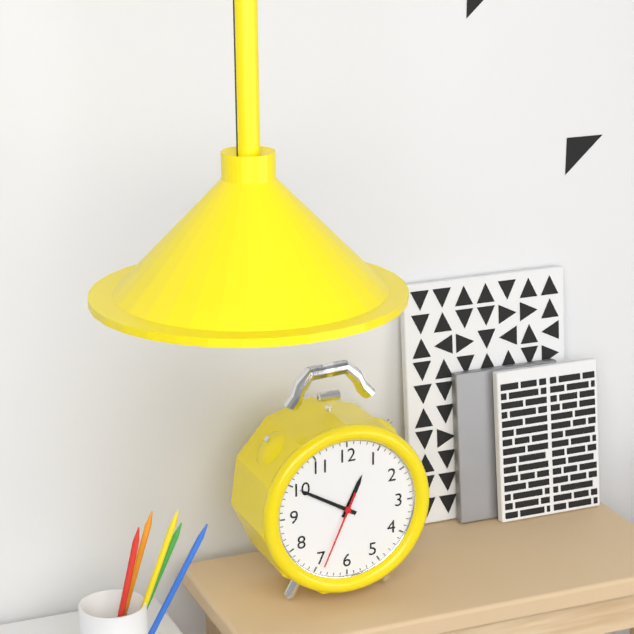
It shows 12:50:34
